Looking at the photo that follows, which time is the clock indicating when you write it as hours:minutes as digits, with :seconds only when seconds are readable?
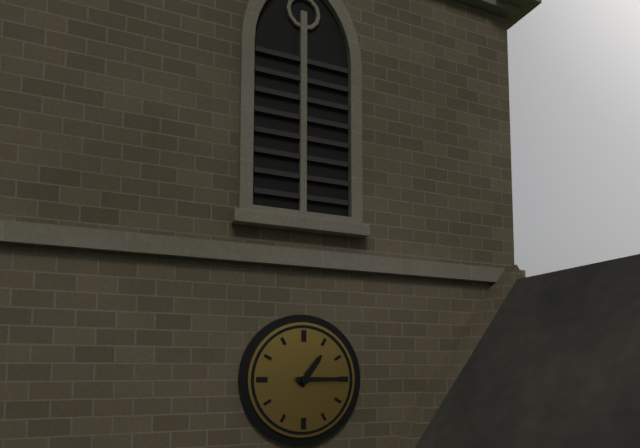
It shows 1:15
